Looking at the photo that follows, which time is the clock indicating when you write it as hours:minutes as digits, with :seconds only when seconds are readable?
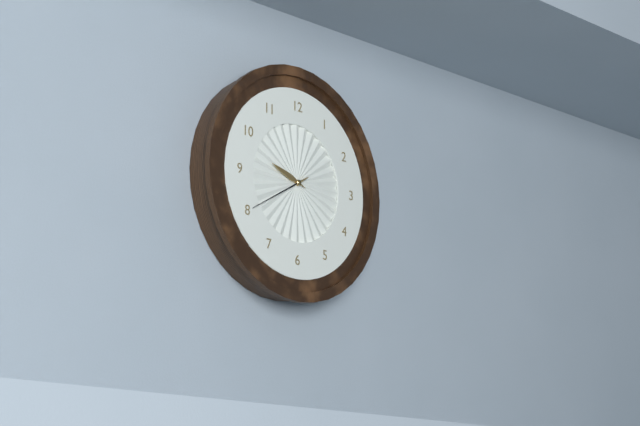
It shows 9:40
